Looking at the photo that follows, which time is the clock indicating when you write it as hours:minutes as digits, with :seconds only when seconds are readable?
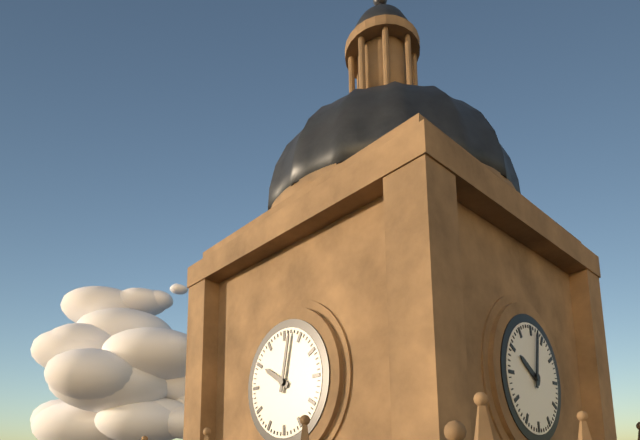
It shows 10:02
